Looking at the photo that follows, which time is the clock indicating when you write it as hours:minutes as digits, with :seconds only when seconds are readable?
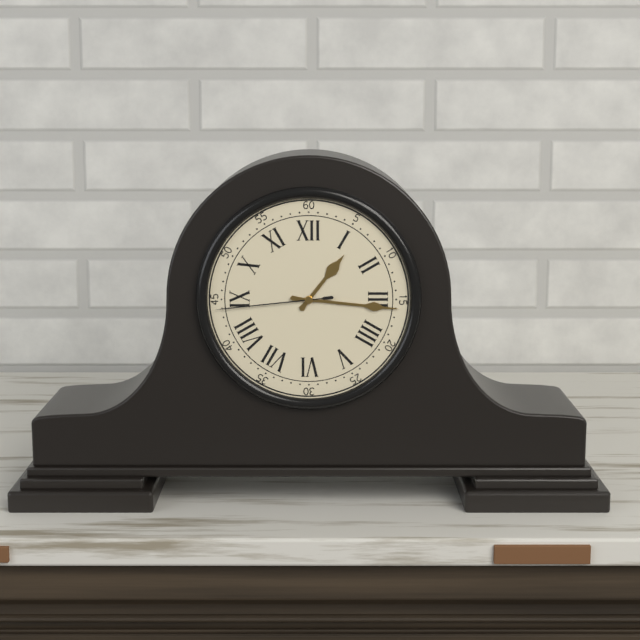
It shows 1:16:44
